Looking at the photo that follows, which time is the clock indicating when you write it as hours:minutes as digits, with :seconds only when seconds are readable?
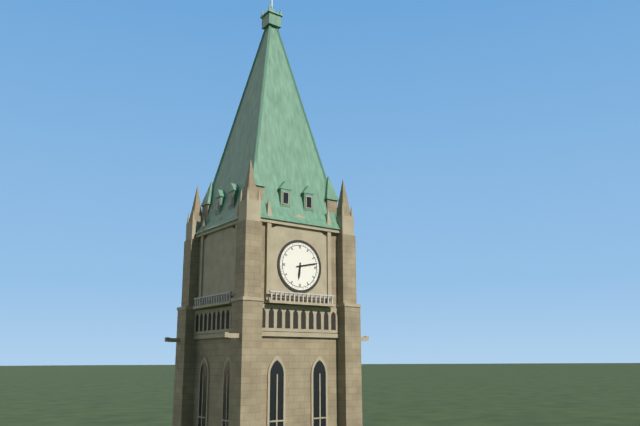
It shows 6:13
